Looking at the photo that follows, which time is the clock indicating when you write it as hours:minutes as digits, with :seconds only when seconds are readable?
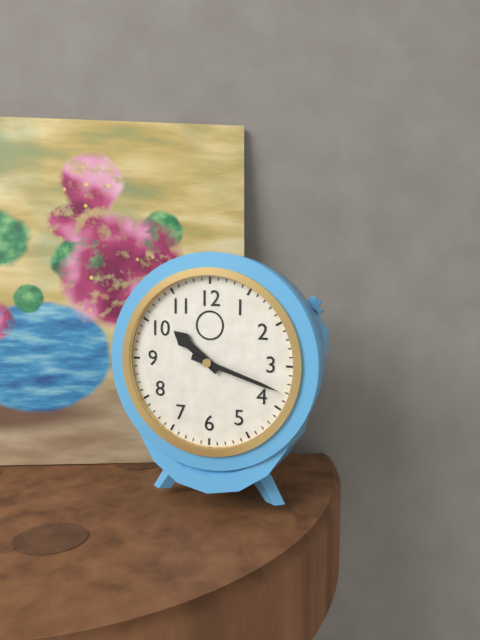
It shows 10:18
